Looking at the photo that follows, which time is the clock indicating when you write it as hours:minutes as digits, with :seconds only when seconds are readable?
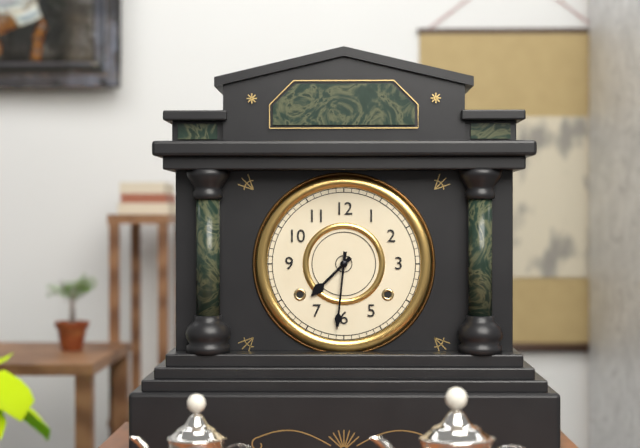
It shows 7:31
